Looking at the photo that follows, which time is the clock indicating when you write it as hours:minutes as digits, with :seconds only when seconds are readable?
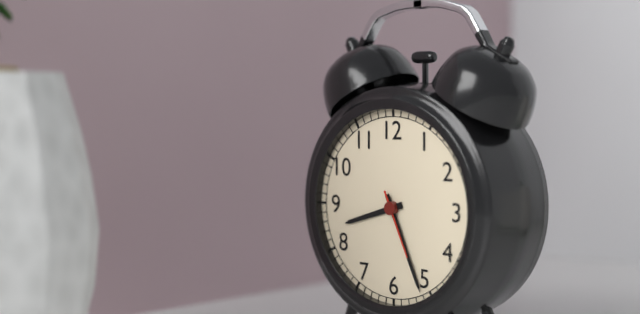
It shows 8:26:26
